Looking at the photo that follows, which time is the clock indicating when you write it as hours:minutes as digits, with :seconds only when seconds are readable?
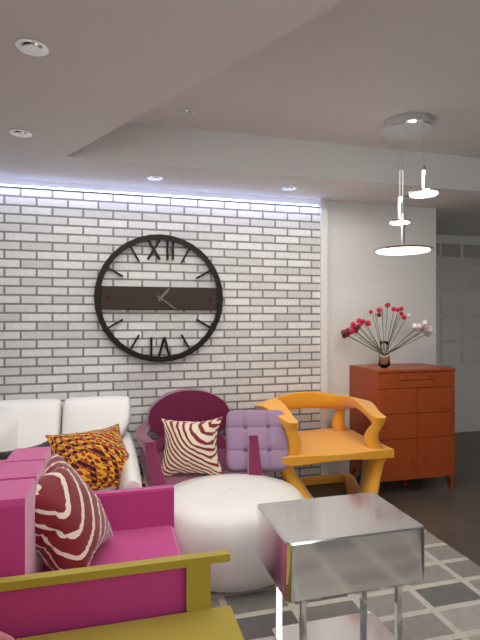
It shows 1:21
